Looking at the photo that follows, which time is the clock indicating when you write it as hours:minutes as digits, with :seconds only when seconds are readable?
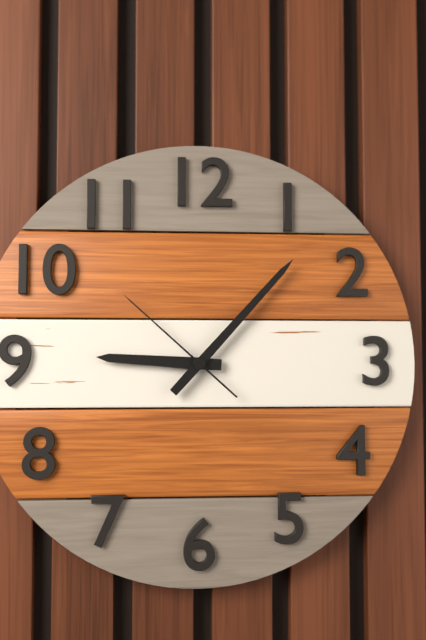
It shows 9:07:52
